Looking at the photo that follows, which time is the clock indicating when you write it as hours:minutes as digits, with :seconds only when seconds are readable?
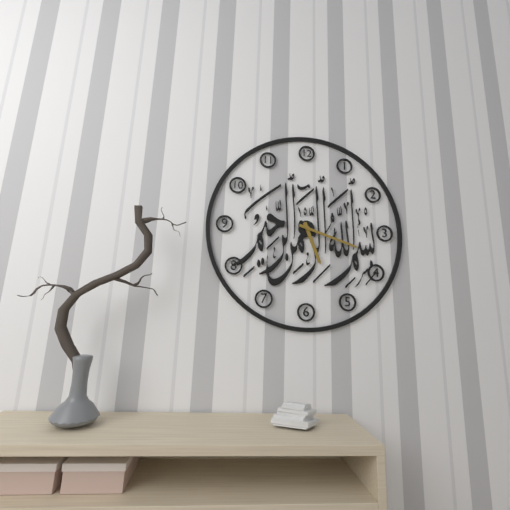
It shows 5:18
